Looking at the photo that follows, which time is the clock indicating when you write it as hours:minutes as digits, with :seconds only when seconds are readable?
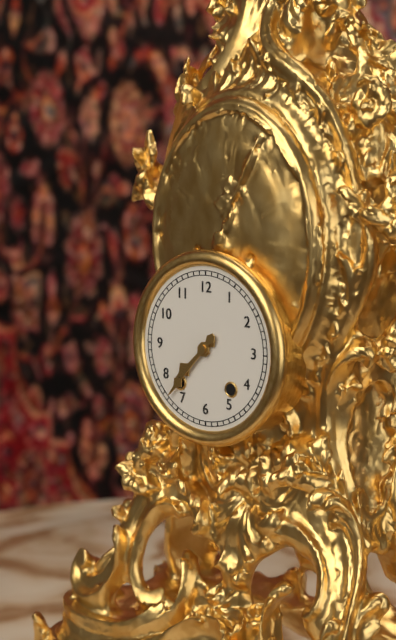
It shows 7:37
